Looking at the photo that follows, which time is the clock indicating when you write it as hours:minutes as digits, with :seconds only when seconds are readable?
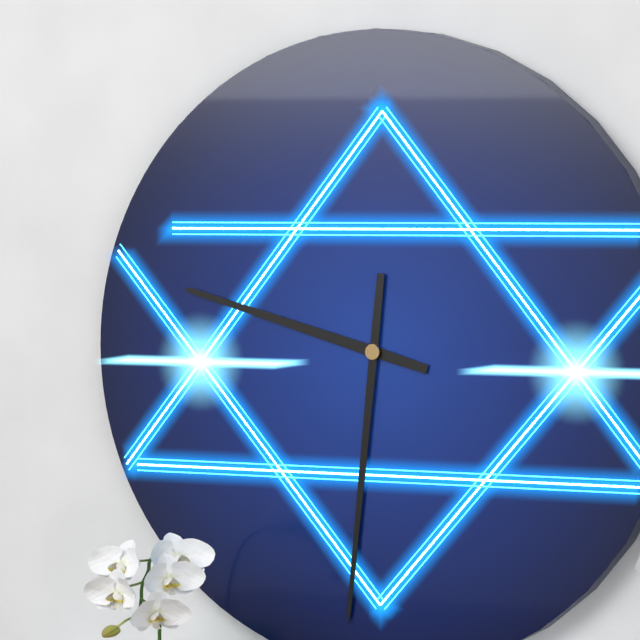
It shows 9:31
